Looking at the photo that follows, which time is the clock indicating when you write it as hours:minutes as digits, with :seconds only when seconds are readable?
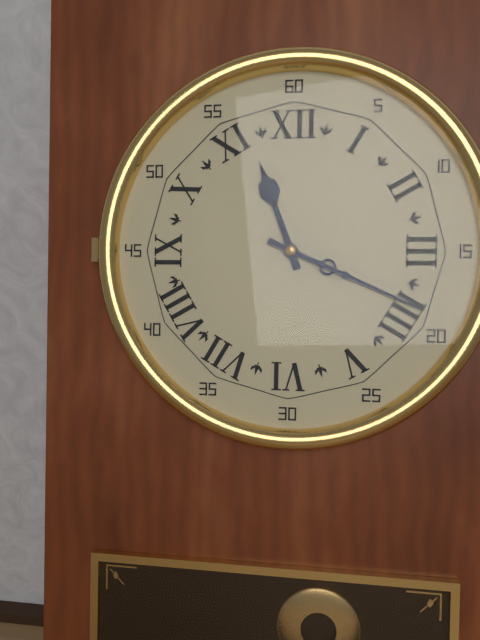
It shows 11:19
